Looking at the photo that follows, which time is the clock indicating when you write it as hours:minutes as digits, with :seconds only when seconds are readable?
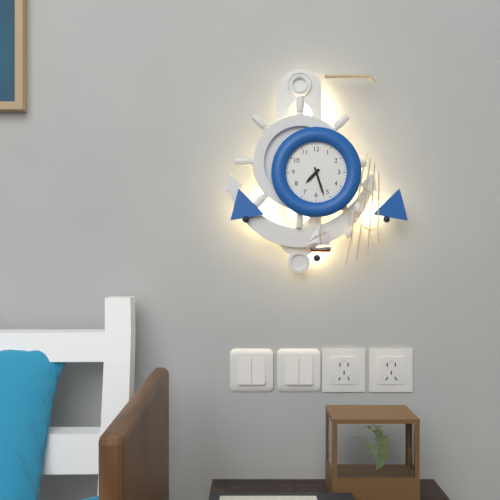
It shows 7:27
